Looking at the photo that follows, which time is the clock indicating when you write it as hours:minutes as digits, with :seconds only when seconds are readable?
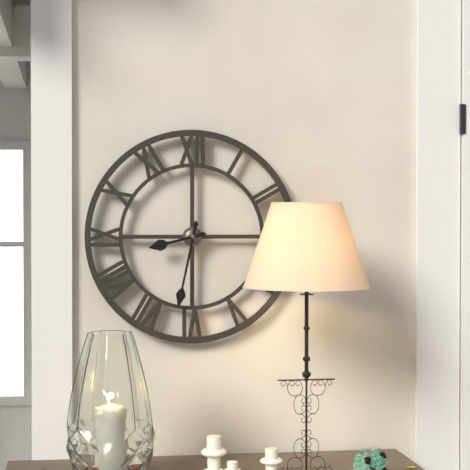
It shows 8:32
